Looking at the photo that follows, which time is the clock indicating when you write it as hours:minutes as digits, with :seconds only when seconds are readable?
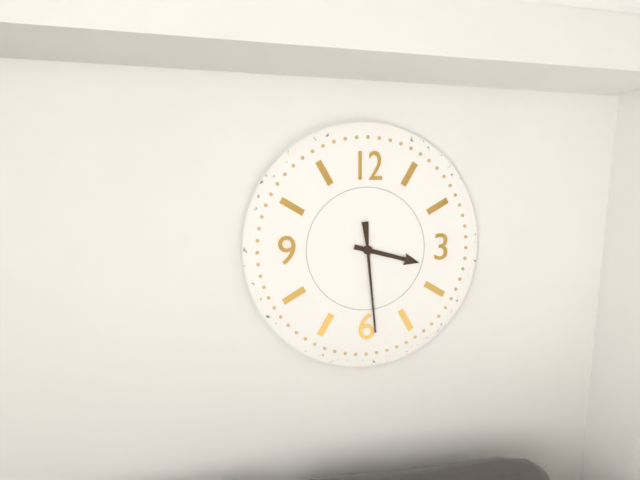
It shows 3:29
